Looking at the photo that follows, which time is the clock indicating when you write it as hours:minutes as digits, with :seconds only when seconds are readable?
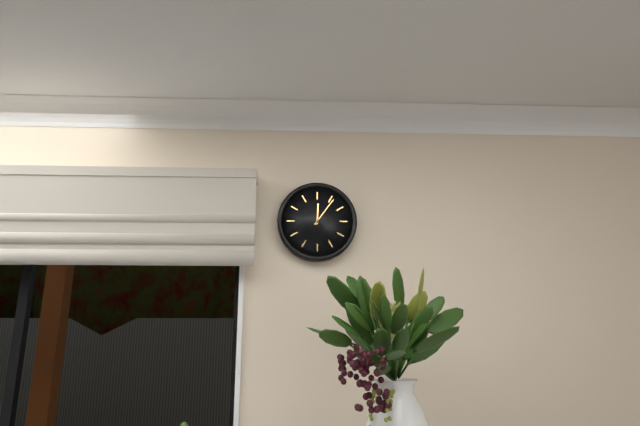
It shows 12:06
